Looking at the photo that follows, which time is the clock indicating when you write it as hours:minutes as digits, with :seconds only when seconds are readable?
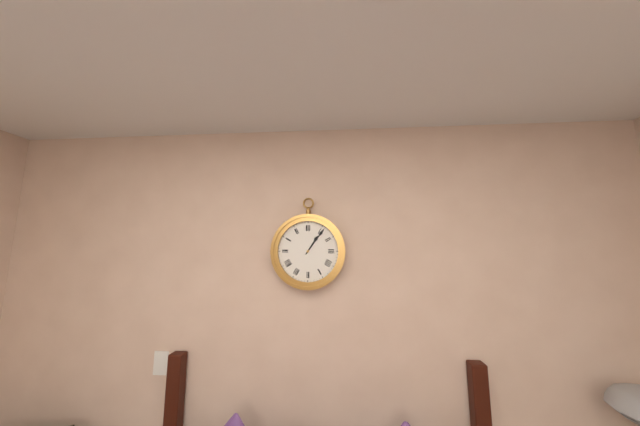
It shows 1:06
